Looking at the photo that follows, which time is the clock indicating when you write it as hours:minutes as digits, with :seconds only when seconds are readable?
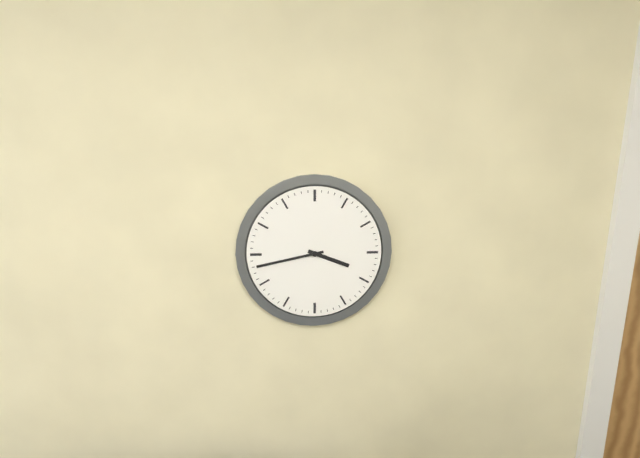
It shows 3:43
